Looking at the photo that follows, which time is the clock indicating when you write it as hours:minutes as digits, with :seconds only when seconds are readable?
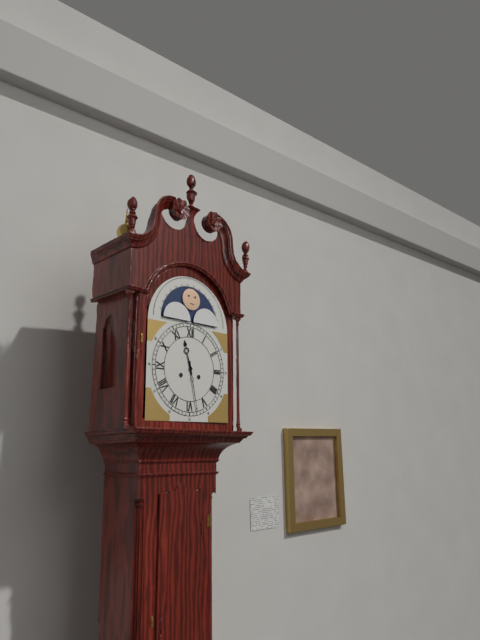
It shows 11:28
